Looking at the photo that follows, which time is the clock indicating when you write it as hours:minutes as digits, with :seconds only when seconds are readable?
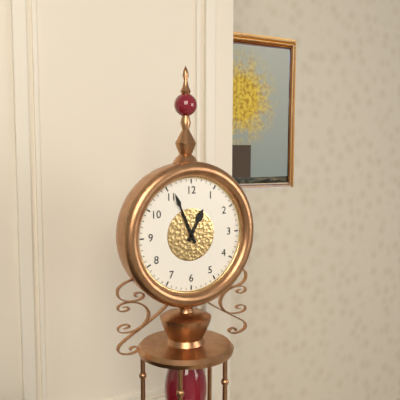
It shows 12:56
